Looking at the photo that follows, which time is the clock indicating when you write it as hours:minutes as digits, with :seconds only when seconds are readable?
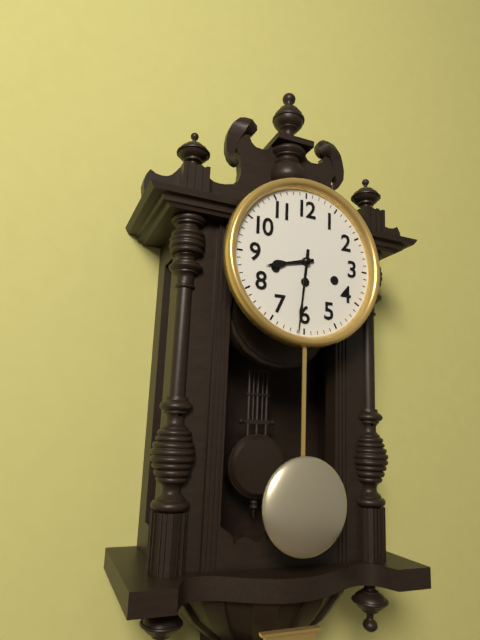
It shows 8:31
